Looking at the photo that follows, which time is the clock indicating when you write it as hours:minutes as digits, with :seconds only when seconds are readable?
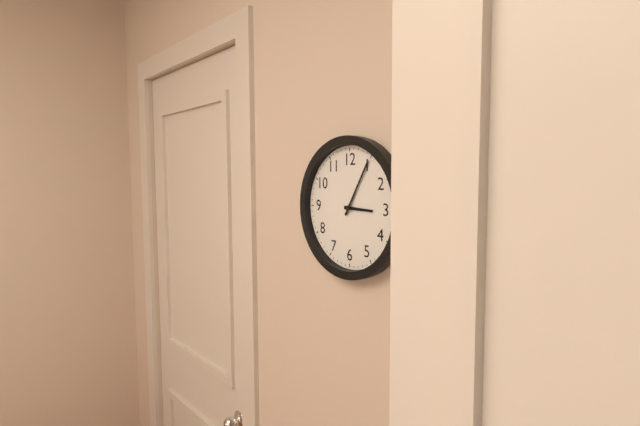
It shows 3:05
